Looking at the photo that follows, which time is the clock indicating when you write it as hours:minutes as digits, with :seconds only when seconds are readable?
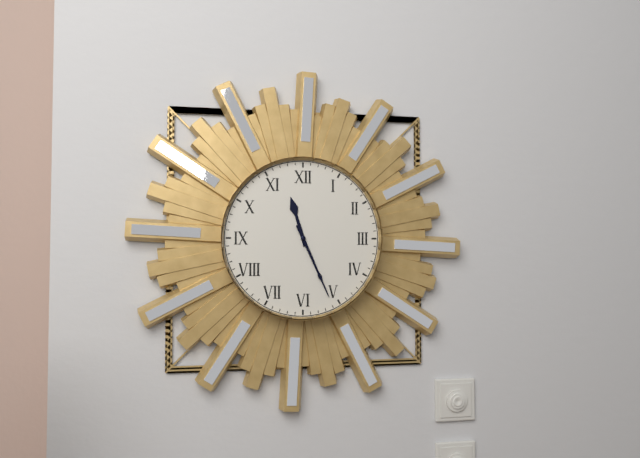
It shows 11:26
